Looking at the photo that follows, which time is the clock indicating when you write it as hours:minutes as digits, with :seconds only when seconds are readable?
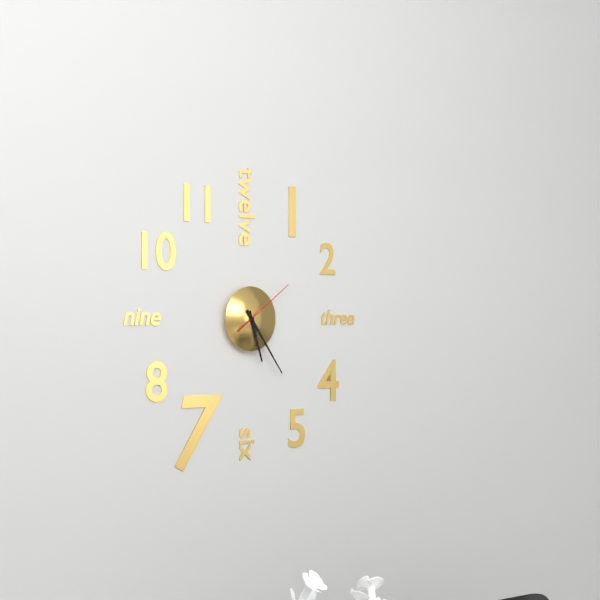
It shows 5:24:09
